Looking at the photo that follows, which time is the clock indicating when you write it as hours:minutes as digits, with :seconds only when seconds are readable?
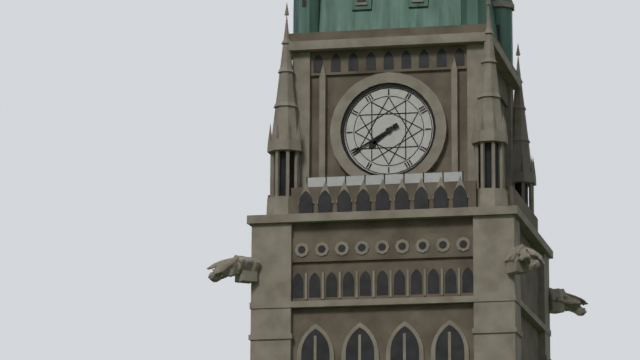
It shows 7:40
